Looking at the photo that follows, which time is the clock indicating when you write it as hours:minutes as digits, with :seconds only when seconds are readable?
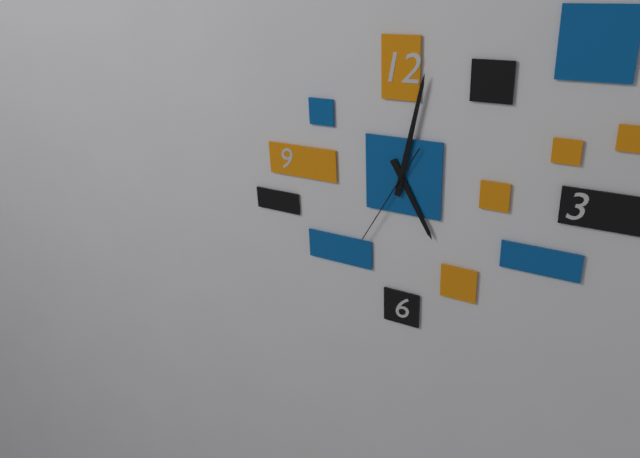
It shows 5:02:35
